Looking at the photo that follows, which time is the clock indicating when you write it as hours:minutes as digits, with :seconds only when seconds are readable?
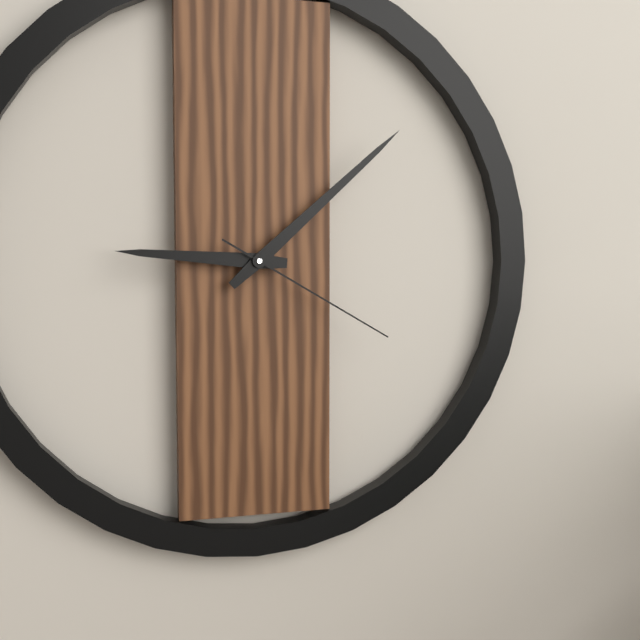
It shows 9:08:20
